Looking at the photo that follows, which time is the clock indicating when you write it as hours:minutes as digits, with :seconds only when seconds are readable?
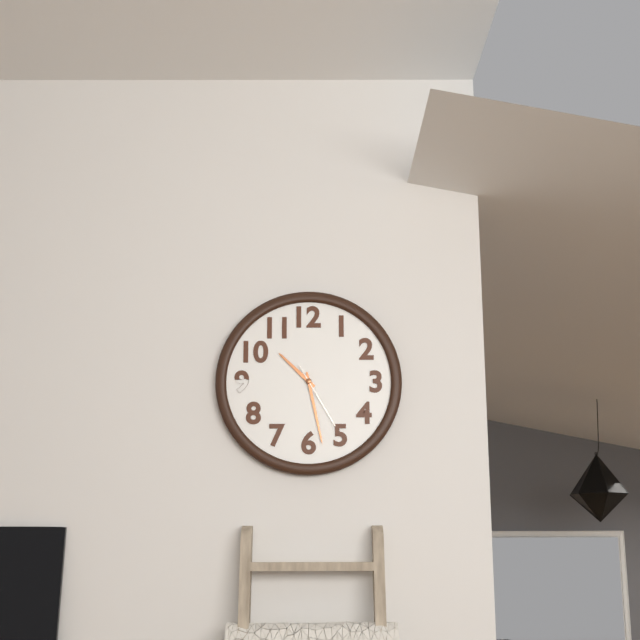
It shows 10:28:25
